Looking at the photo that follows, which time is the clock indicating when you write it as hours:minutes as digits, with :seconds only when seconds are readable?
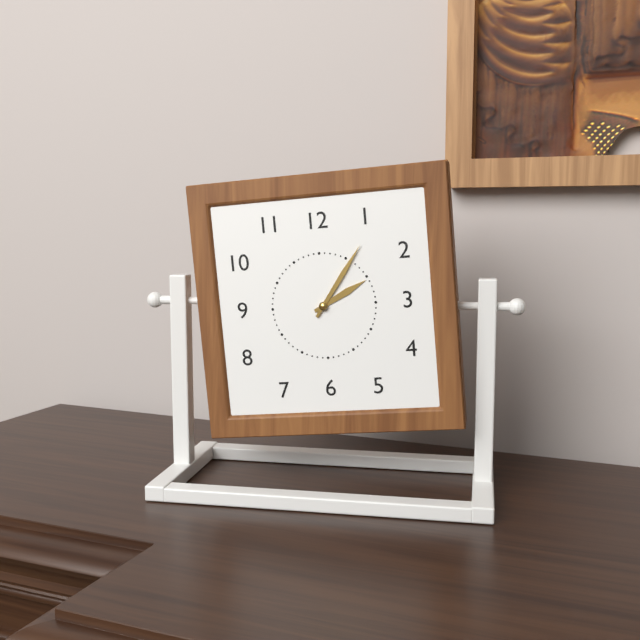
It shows 2:06
